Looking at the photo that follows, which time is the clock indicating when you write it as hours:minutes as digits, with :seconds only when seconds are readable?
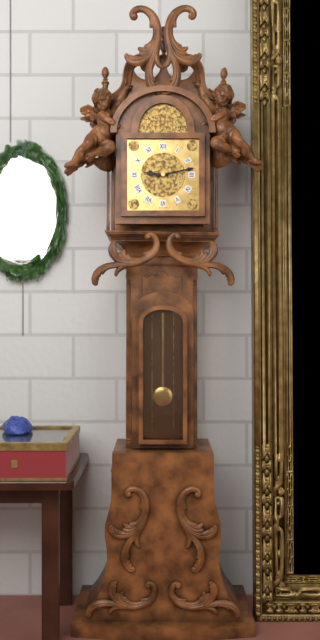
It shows 9:13
